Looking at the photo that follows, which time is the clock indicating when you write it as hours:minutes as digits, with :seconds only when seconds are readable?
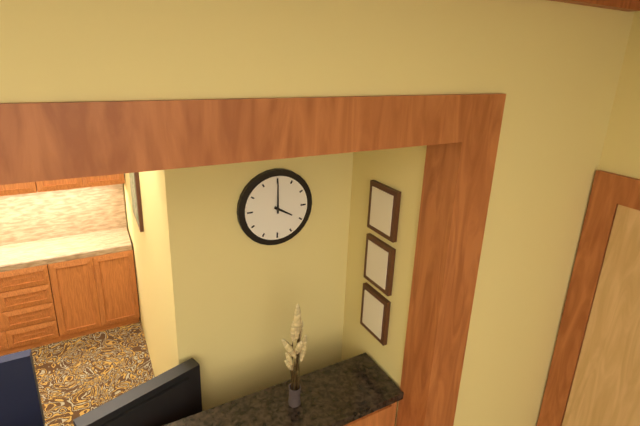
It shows 4:00
